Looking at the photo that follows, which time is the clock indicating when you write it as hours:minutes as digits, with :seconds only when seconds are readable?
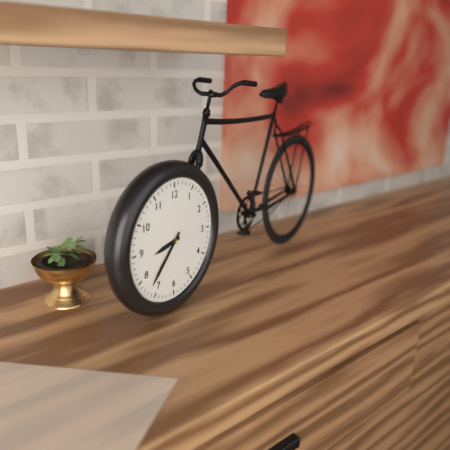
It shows 8:37
